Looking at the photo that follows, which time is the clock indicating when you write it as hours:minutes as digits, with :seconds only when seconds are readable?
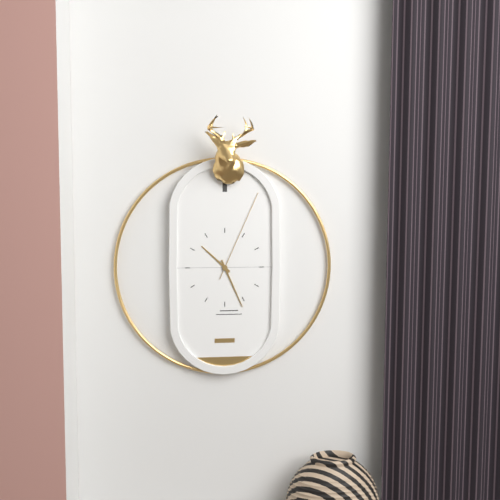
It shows 10:26:04
